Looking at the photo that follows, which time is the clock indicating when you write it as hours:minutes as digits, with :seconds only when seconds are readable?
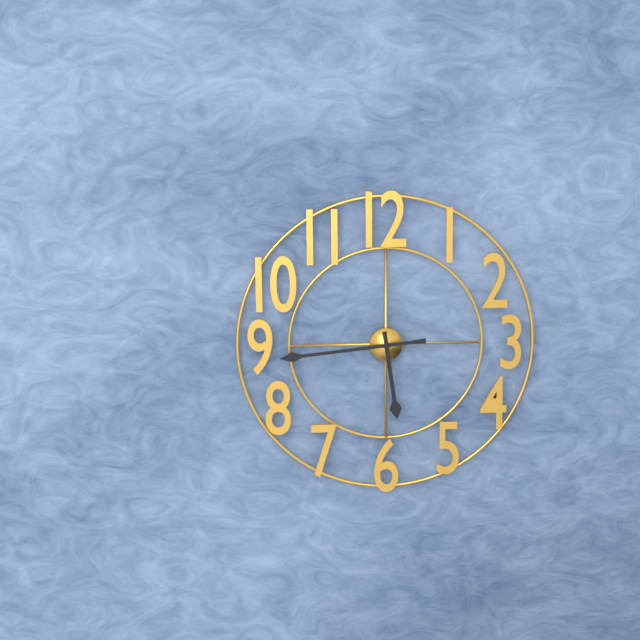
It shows 5:44
